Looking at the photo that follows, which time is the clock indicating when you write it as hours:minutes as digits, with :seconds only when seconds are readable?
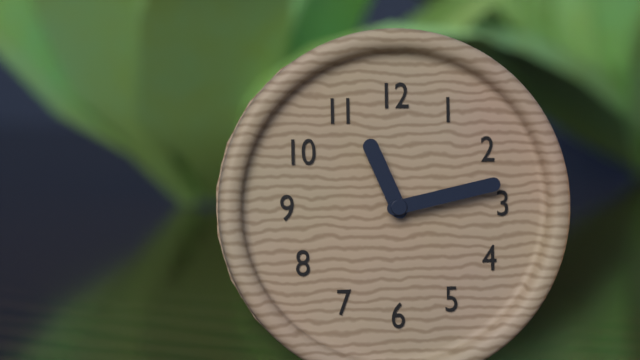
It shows 11:13
